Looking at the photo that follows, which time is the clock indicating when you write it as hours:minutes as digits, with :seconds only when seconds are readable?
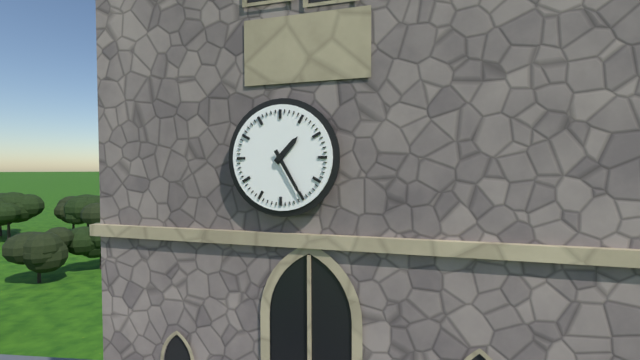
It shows 1:25
